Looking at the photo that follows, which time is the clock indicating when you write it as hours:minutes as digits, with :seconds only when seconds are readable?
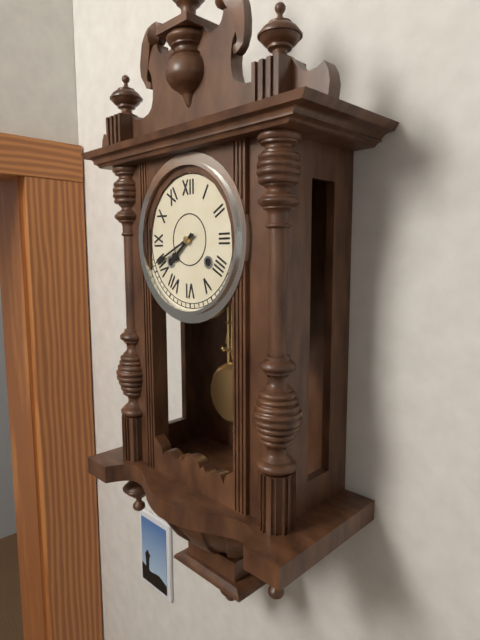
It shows 7:41
